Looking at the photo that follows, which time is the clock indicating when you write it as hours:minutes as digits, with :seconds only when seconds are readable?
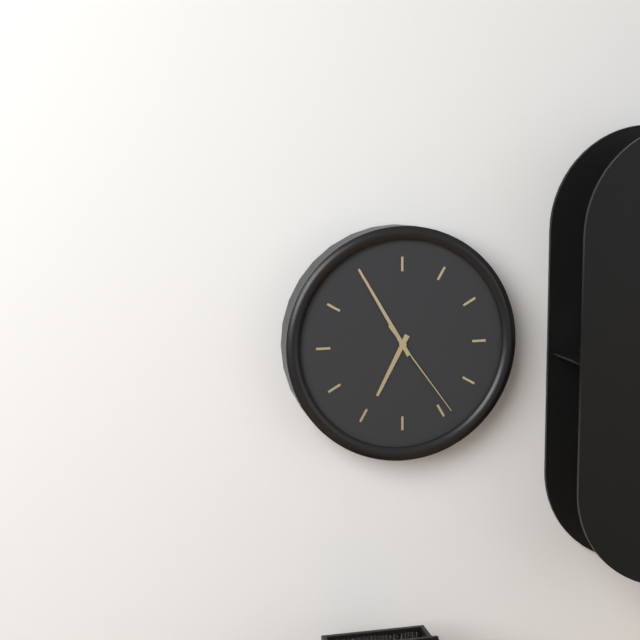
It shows 6:55:24
